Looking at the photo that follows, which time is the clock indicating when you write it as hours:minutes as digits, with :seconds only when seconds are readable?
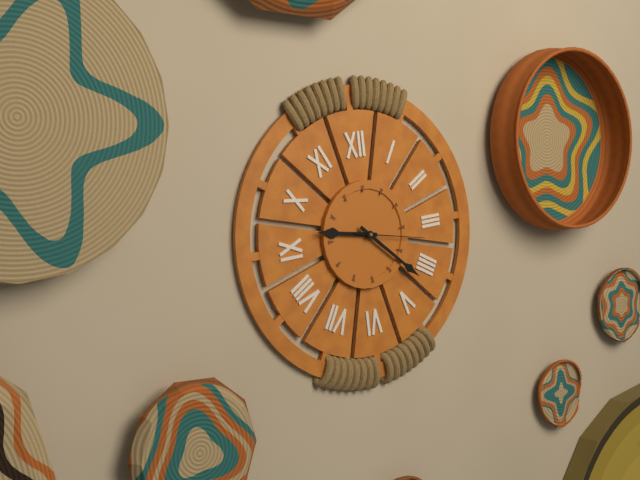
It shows 9:22:17
